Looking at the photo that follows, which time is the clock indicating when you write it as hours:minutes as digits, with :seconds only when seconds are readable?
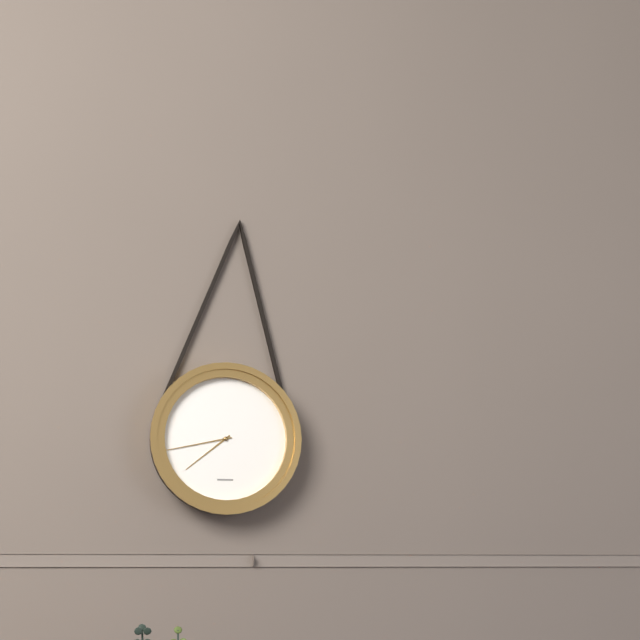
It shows 7:43
